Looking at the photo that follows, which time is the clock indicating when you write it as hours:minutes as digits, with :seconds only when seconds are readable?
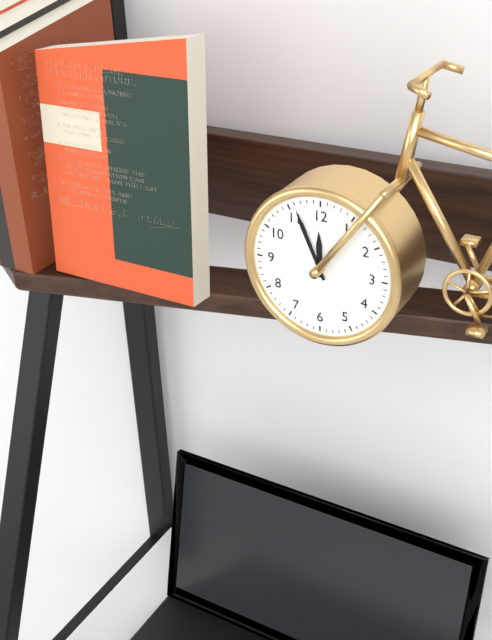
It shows 11:56
